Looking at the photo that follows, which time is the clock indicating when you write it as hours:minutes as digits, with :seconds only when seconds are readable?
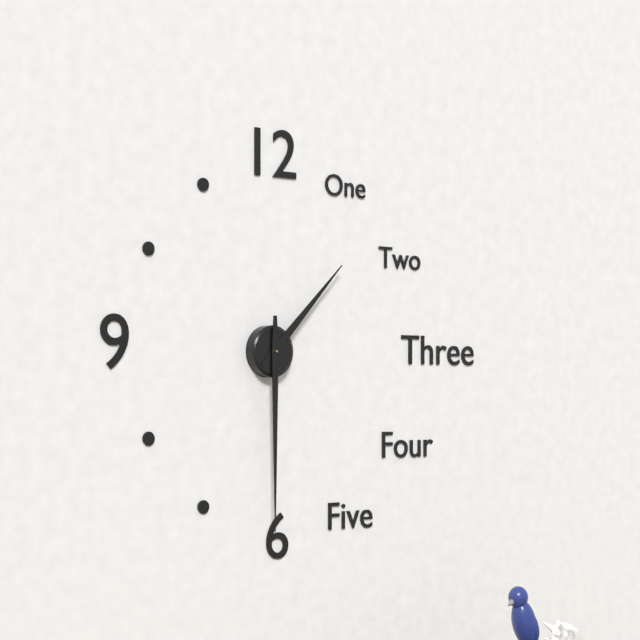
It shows 1:30
